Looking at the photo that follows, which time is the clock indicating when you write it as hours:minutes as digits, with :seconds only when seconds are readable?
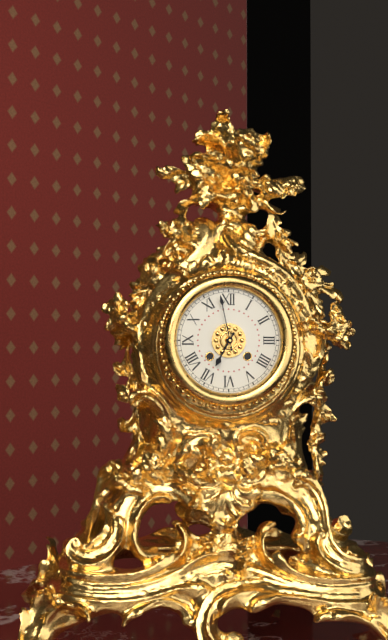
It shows 6:58
